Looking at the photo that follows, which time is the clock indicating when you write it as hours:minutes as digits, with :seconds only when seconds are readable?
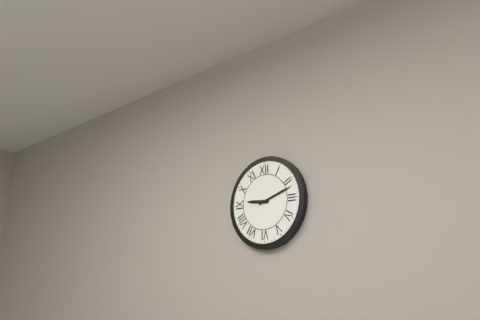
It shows 9:12
